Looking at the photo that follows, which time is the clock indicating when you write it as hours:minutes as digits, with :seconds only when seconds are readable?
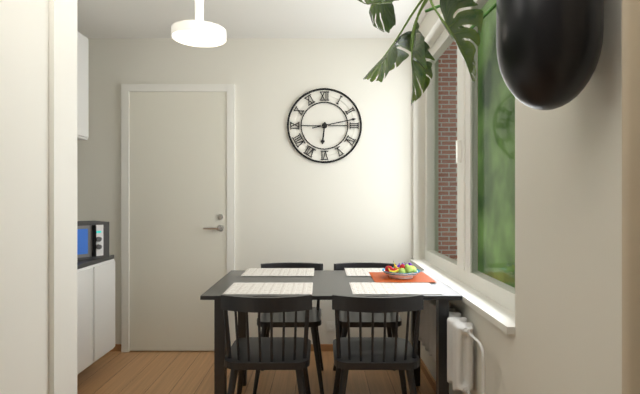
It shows 6:13
